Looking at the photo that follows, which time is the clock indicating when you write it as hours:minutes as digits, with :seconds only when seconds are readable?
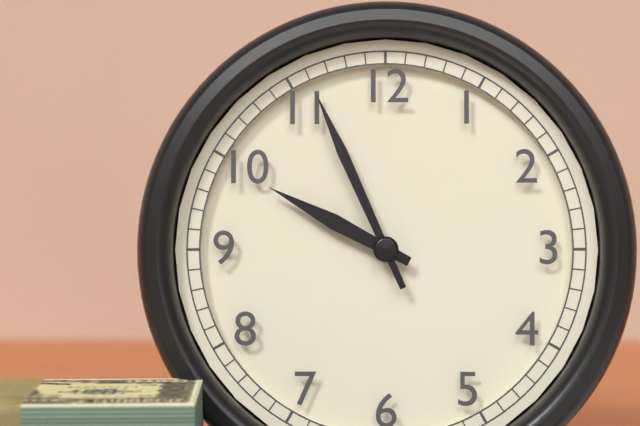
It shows 9:56
